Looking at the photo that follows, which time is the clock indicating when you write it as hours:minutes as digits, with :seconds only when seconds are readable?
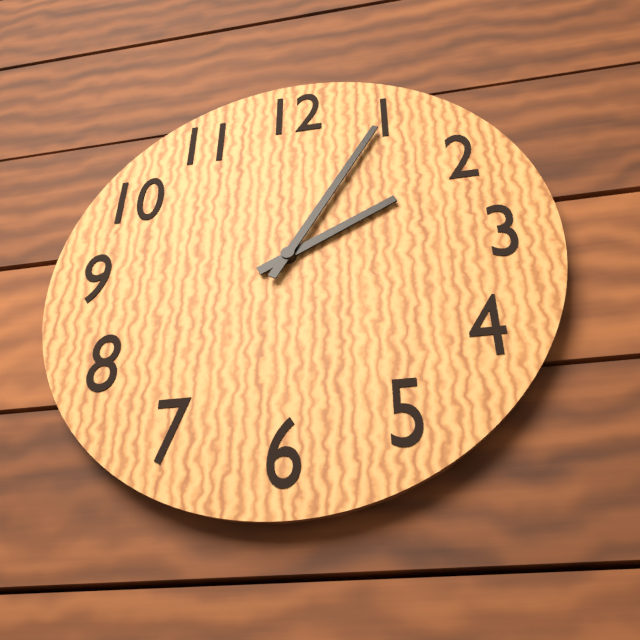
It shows 2:05
